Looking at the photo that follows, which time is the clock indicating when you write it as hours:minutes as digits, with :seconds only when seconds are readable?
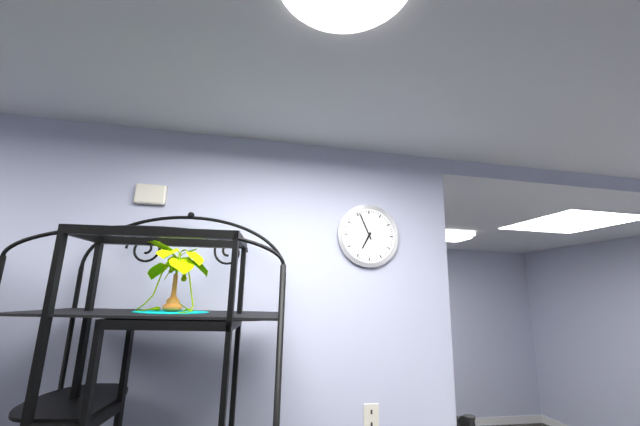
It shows 6:56
